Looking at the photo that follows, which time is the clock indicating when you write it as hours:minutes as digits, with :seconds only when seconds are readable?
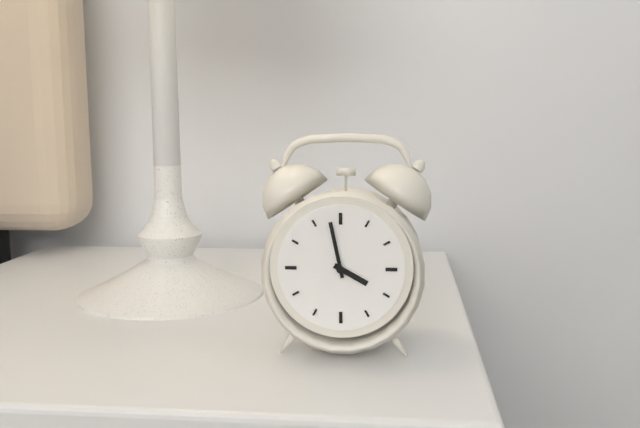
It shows 3:58
